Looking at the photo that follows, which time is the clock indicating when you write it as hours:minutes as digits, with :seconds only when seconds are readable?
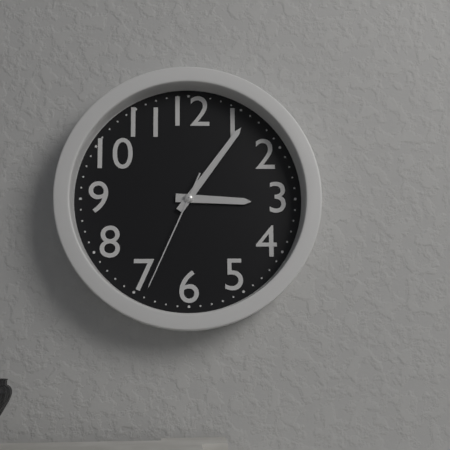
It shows 3:06:34
